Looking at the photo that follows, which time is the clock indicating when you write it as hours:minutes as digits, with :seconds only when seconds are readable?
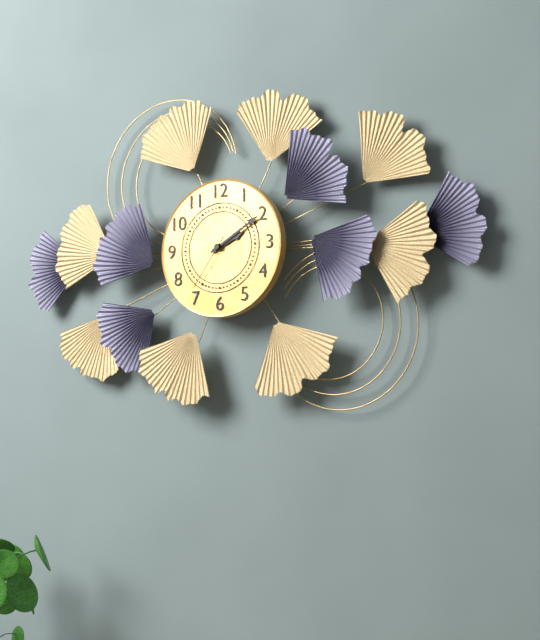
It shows 2:10:36
